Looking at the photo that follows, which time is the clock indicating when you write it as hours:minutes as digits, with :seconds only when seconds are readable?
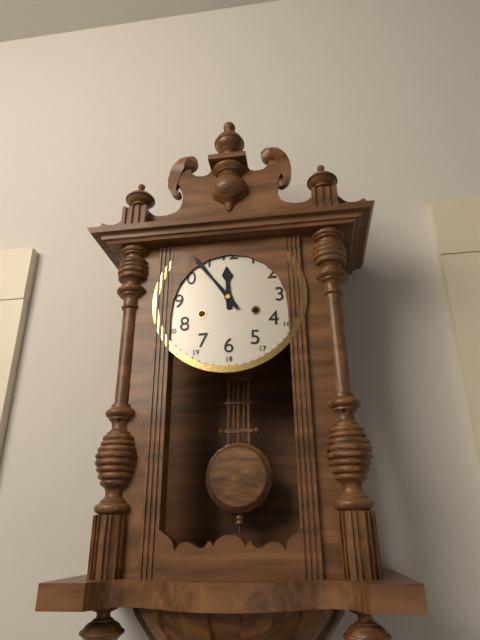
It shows 11:54
